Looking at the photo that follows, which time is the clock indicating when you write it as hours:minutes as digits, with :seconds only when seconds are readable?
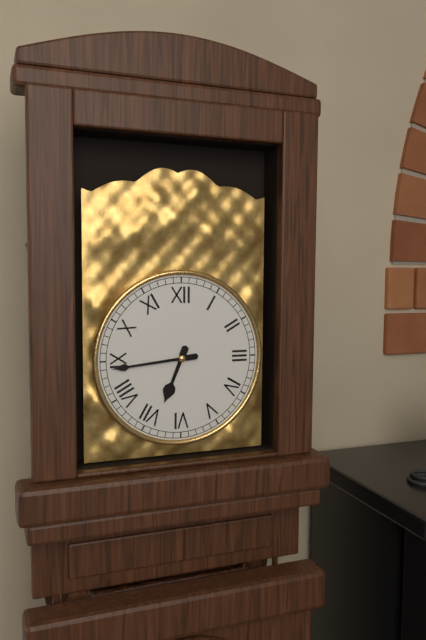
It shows 6:44
